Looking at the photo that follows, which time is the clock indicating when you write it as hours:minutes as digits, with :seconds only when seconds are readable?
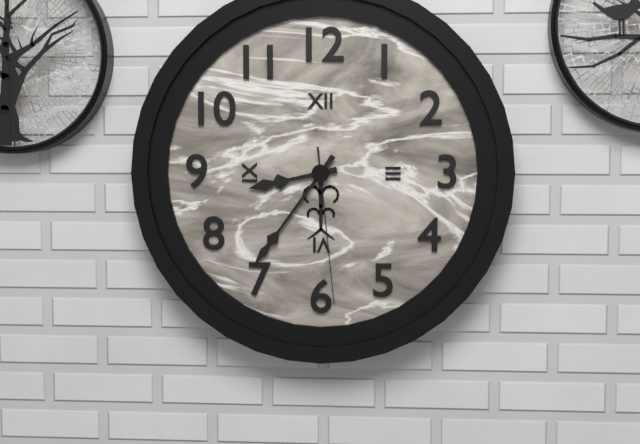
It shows 8:36:29
